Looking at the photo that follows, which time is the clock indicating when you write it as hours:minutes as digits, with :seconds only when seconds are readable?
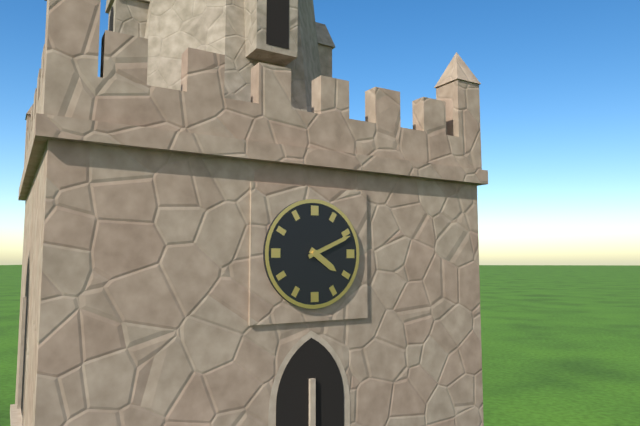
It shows 4:11
